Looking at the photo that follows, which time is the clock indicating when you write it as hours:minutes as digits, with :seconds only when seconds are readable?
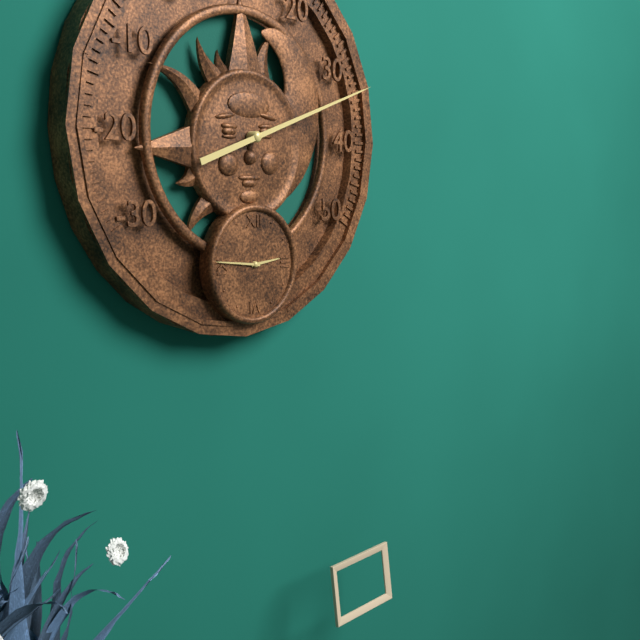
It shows 2:46
